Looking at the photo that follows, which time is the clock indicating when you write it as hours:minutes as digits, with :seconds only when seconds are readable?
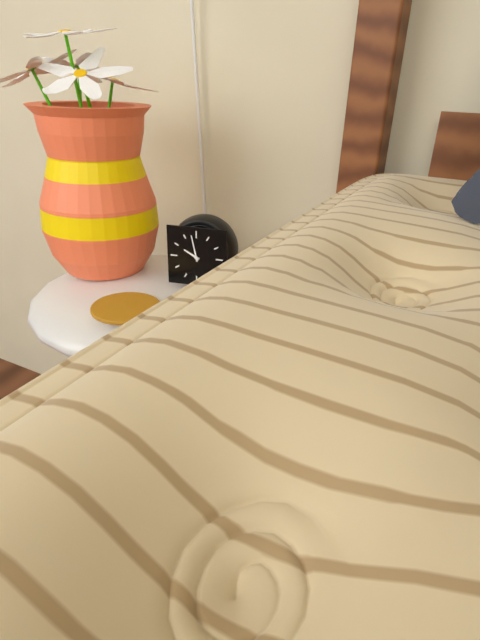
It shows 9:58
